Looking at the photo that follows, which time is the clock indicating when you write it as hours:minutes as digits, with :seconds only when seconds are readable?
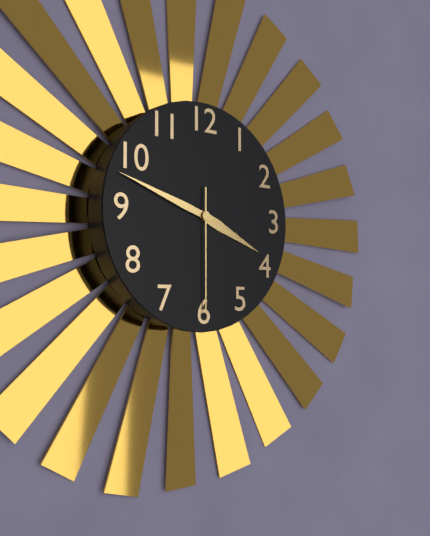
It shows 3:48:30
